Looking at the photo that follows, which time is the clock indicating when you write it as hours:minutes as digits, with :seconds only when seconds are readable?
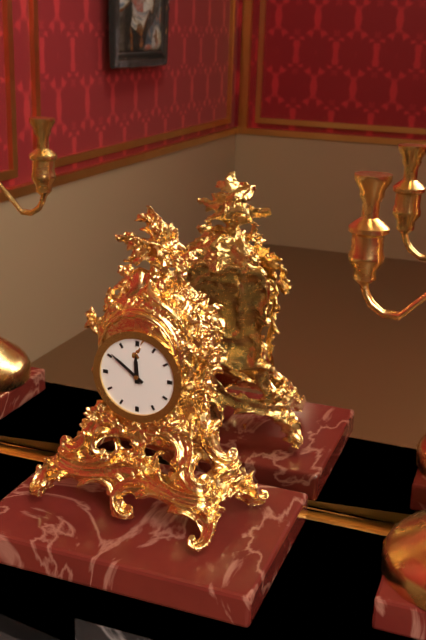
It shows 11:51
